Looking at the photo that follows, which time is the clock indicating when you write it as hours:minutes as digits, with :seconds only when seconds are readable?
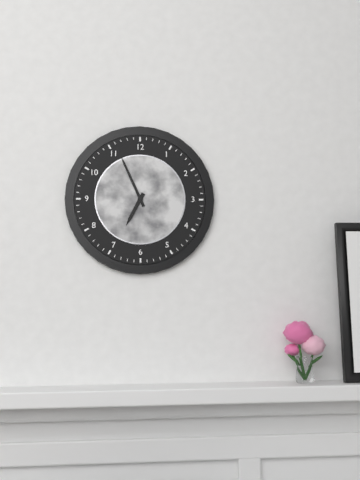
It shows 6:56
